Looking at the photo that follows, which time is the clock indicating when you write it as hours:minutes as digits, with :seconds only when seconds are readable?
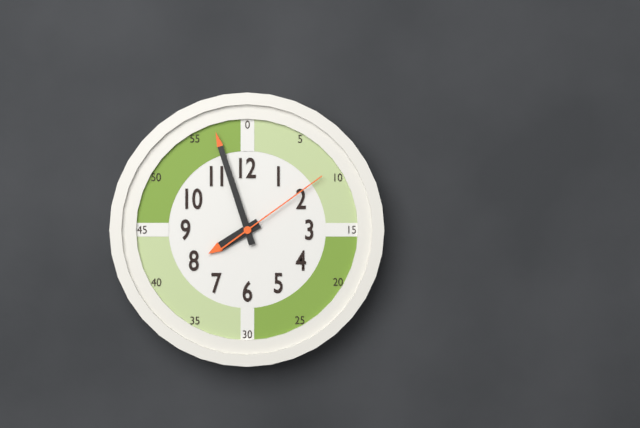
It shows 7:57:09
